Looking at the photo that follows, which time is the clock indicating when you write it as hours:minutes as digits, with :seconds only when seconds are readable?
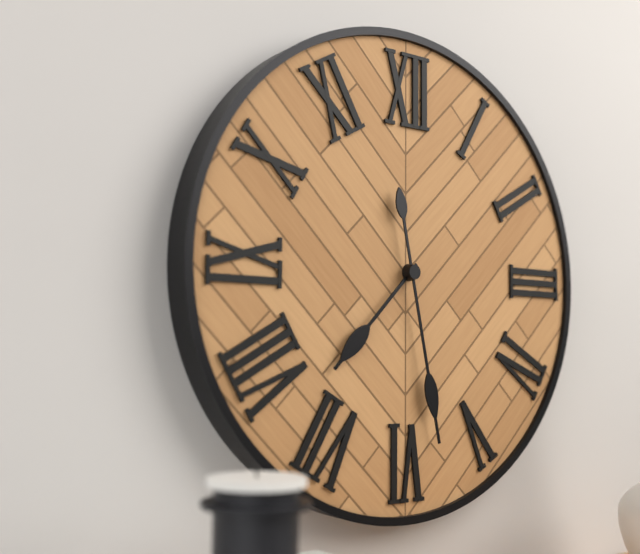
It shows 7:28
